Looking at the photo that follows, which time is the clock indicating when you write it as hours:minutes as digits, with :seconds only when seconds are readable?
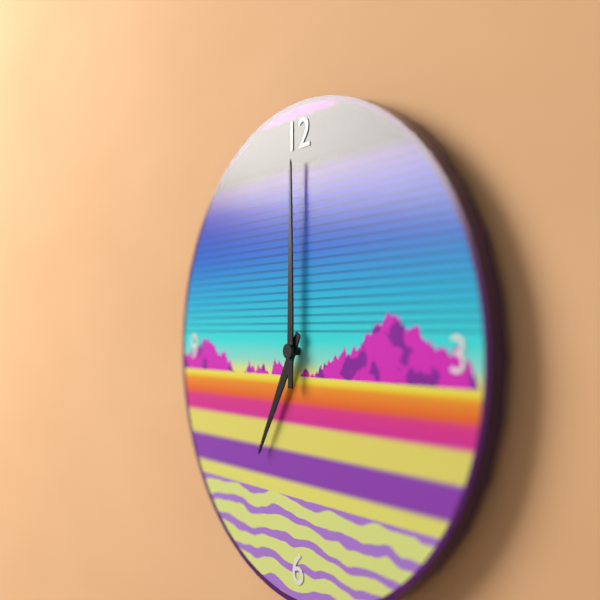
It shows 7:00
